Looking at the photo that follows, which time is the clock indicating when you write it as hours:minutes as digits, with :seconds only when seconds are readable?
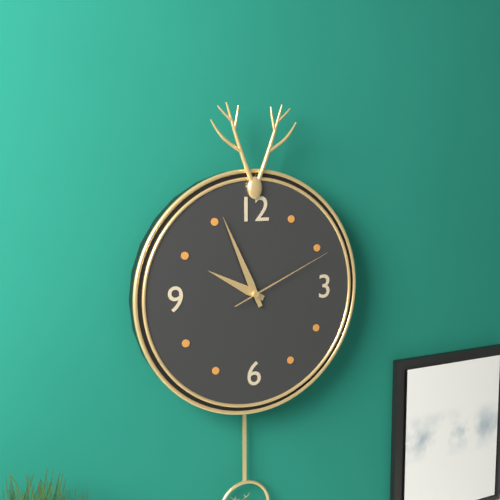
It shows 9:56:11
